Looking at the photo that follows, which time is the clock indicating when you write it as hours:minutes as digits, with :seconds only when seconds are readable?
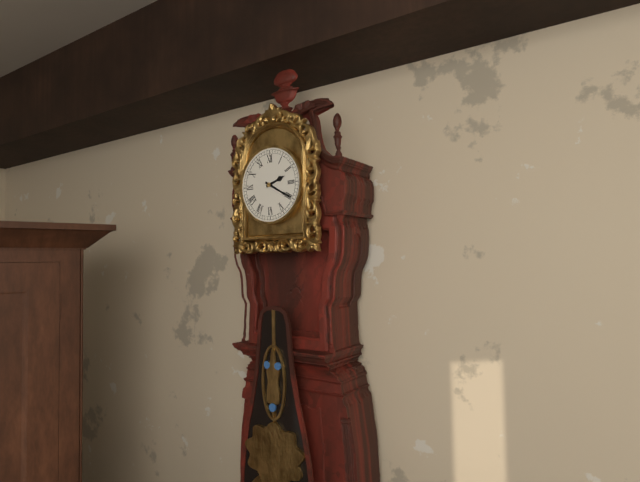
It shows 2:20
